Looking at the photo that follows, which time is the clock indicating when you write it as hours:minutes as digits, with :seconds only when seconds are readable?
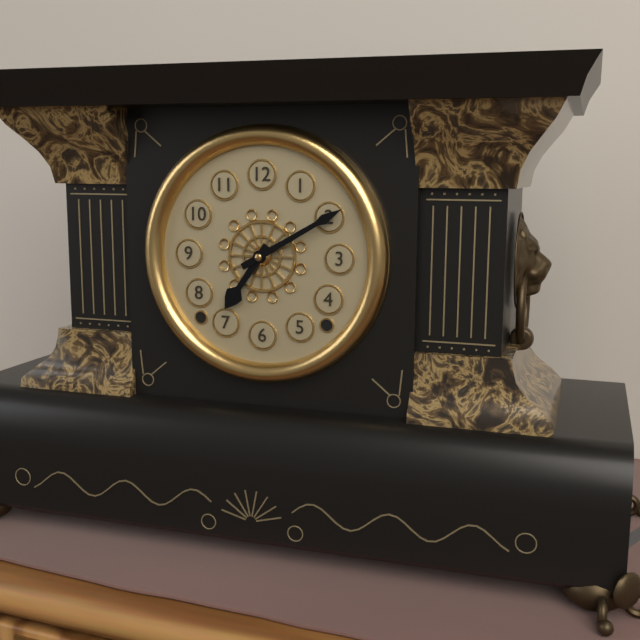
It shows 7:10
